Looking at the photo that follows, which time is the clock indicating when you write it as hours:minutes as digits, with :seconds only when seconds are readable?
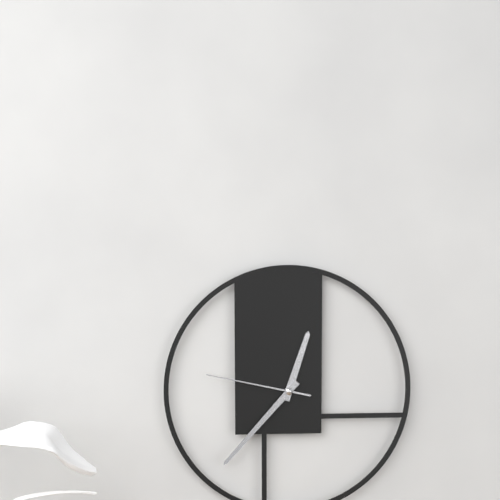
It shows 12:37:47
